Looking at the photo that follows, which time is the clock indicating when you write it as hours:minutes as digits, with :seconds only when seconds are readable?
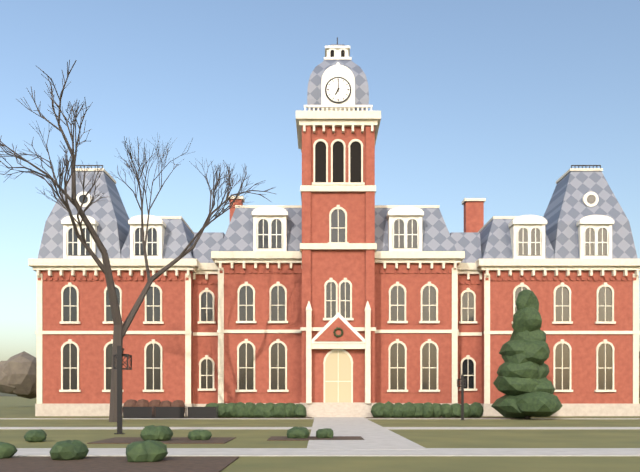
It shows 7:00
